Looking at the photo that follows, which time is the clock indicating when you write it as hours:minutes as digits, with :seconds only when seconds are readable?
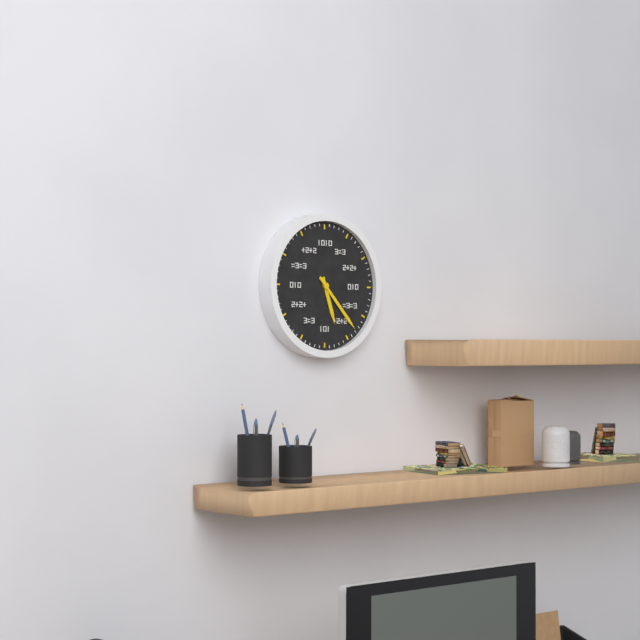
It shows 5:23
